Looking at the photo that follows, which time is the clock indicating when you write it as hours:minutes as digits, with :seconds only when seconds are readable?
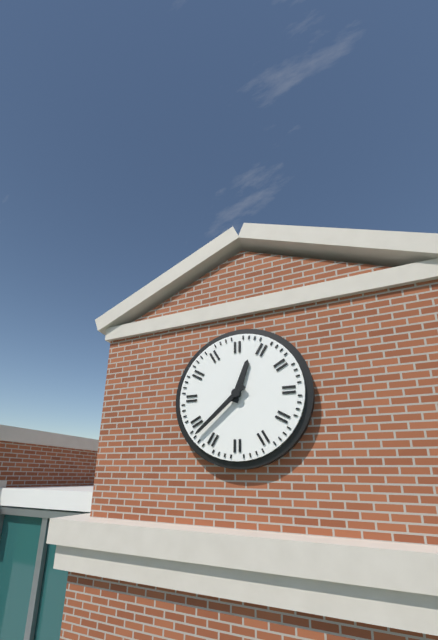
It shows 12:38
